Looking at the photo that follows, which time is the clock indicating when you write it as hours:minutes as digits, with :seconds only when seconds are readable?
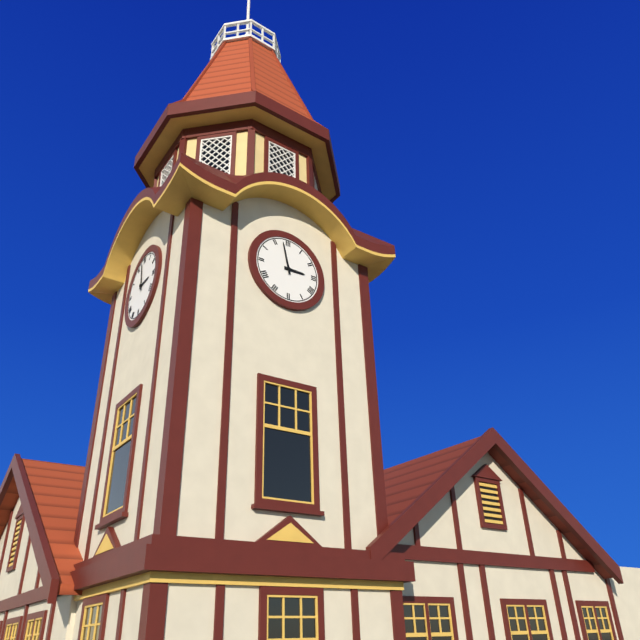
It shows 2:58
